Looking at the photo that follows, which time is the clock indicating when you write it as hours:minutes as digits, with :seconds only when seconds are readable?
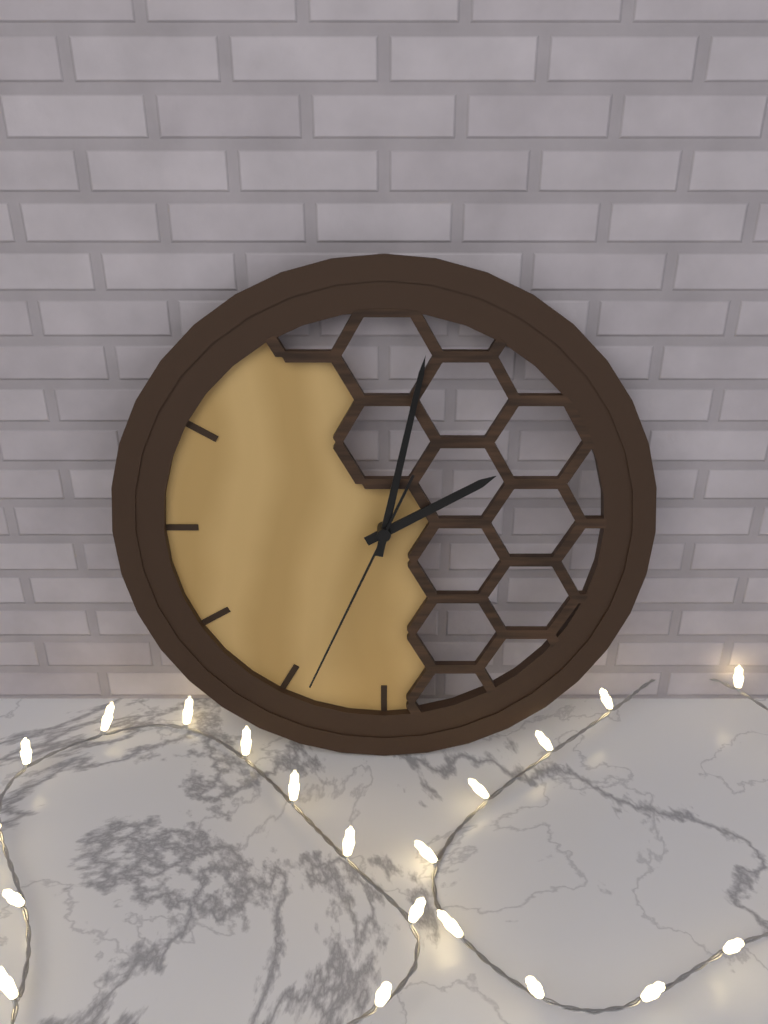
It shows 2:02:34
